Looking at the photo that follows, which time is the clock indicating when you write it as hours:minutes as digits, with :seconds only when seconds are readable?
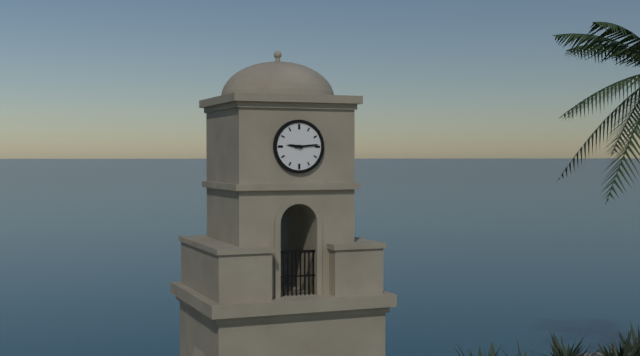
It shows 9:14
